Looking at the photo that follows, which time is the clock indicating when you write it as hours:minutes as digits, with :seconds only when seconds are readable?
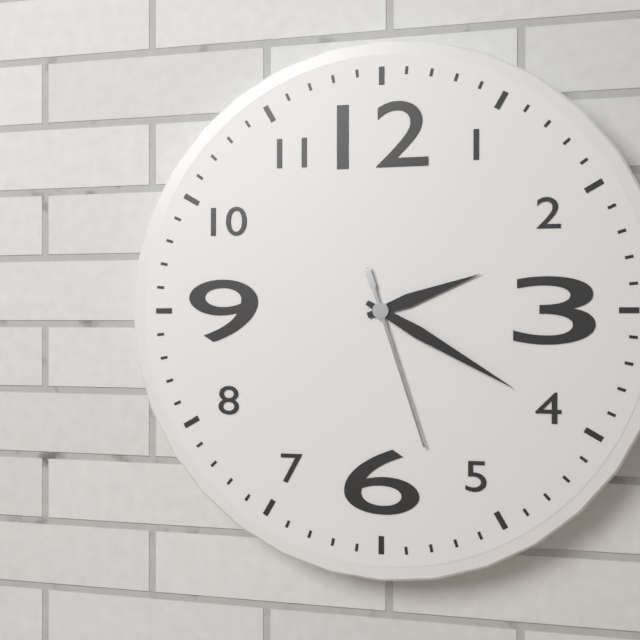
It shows 2:20:27
